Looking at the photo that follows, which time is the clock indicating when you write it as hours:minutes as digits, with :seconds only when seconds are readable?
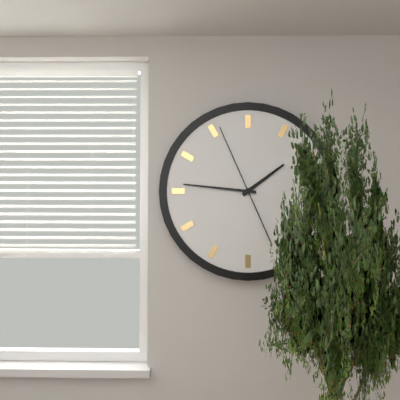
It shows 1:46:56
